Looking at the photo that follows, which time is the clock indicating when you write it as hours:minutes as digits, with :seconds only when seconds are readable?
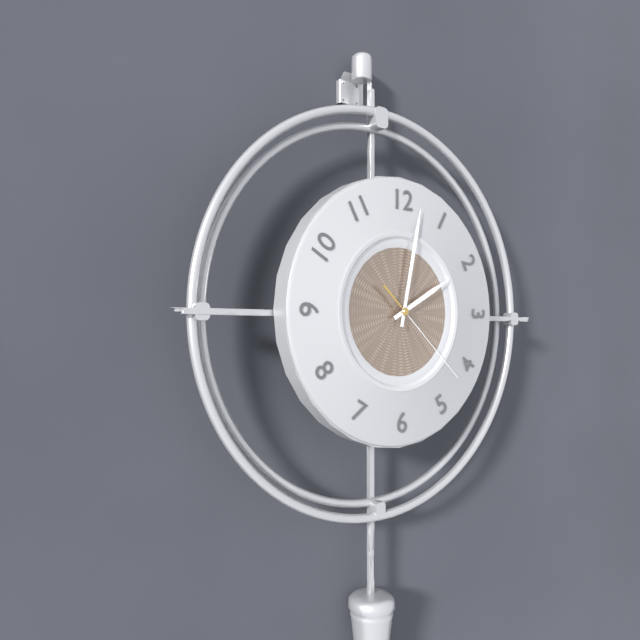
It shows 2:02:22
